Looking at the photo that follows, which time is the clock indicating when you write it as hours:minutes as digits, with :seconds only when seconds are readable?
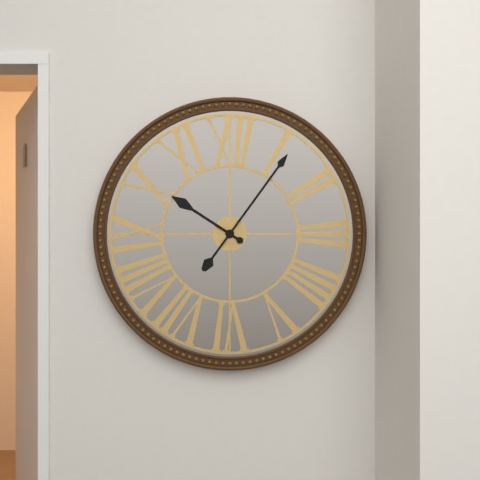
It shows 10:06
